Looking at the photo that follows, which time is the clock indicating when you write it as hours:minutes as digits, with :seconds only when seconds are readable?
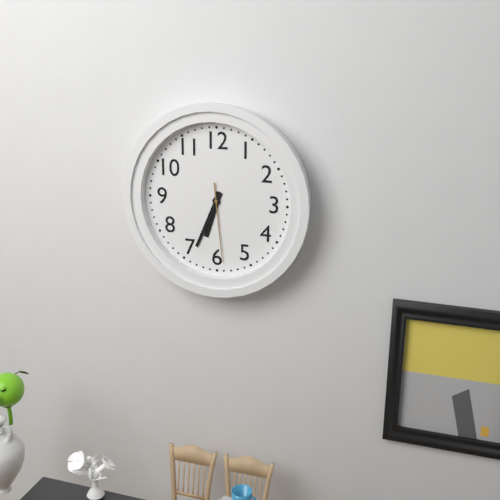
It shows 6:34:29
